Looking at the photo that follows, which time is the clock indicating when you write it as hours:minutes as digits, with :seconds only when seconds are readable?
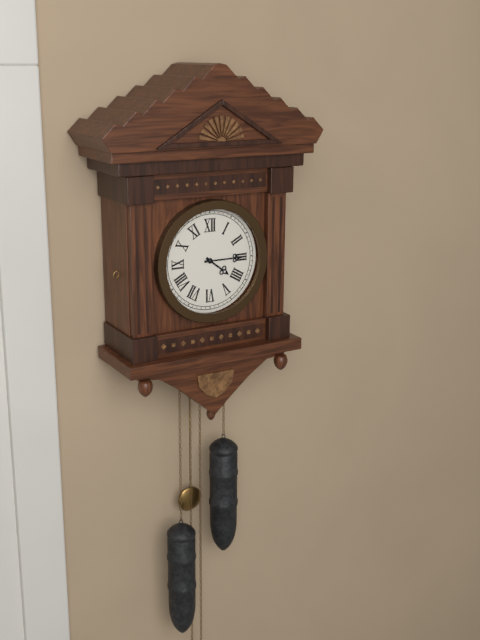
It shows 4:15
